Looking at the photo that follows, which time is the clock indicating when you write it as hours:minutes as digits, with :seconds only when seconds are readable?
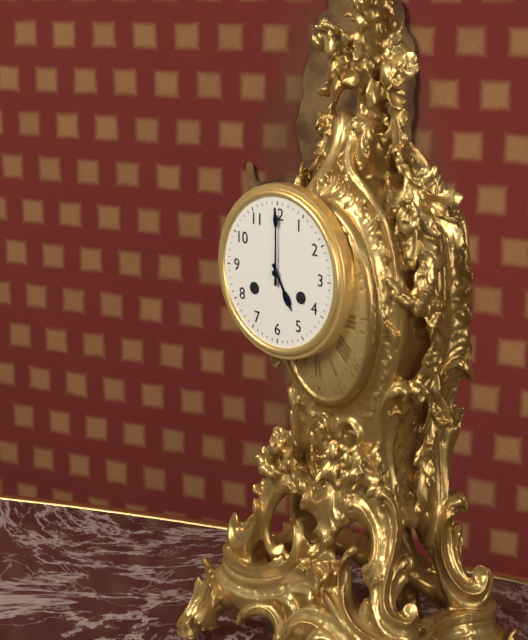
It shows 5:00
